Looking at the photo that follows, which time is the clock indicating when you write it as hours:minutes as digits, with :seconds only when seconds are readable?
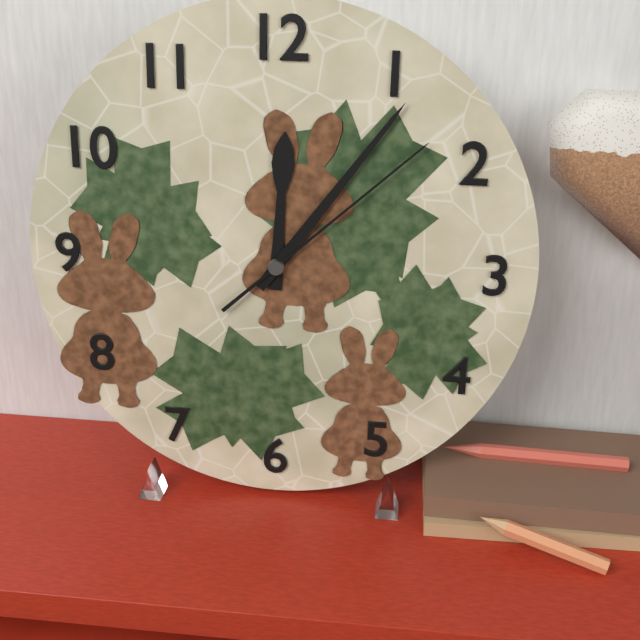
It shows 12:06:08
